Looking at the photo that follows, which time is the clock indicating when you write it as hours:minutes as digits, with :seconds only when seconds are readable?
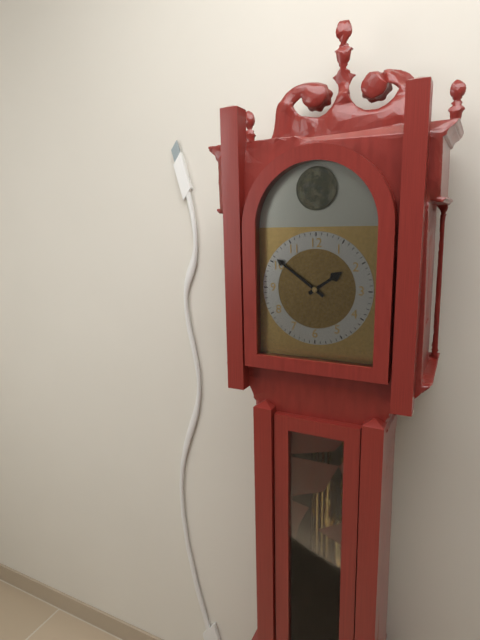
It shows 1:51
